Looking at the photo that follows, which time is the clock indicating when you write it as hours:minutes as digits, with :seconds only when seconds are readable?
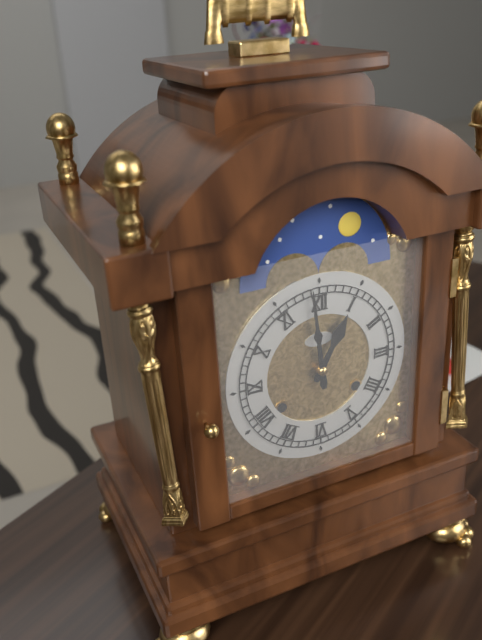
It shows 12:59
